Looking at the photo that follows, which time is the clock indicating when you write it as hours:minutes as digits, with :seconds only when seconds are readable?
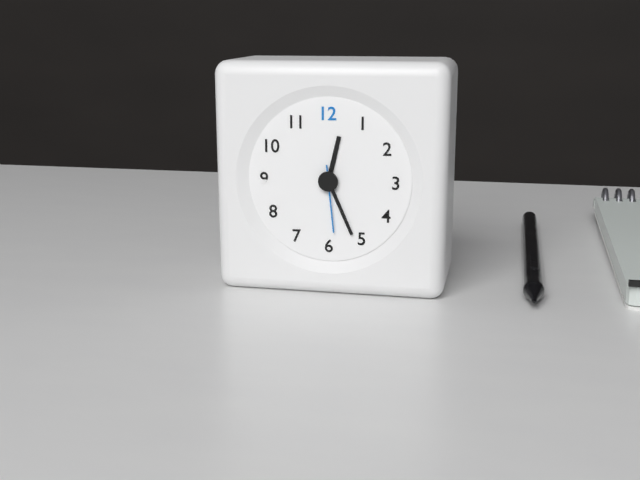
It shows 12:26:29
